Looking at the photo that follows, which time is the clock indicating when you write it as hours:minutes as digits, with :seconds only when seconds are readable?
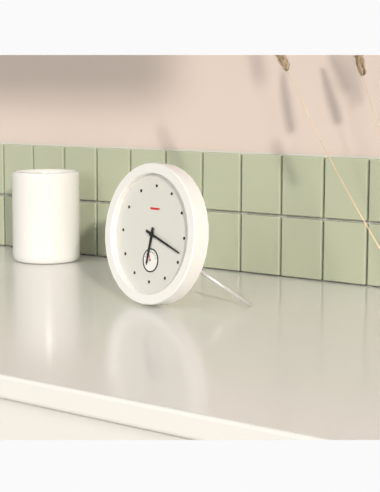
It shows 6:18
